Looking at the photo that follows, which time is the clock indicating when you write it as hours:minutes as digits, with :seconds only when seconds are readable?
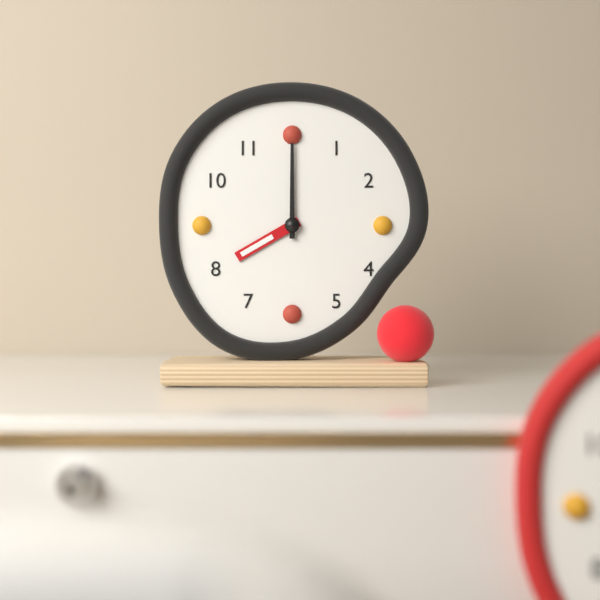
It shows 8:00
